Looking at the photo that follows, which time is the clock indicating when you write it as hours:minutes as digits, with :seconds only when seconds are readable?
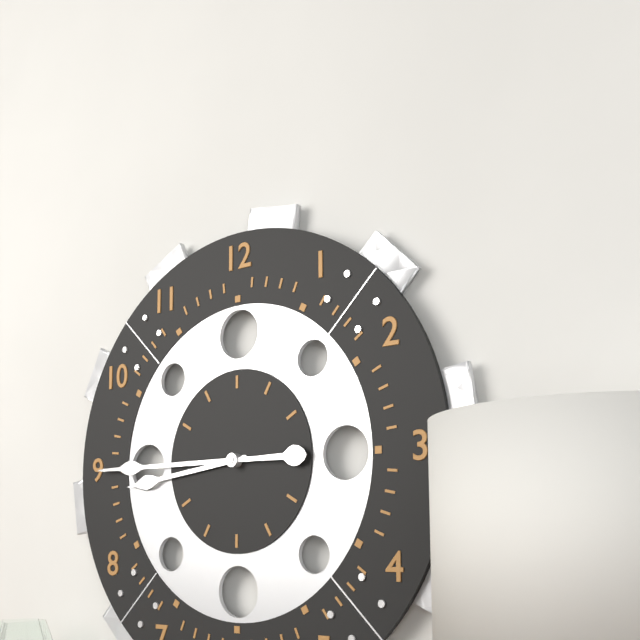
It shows 8:45
